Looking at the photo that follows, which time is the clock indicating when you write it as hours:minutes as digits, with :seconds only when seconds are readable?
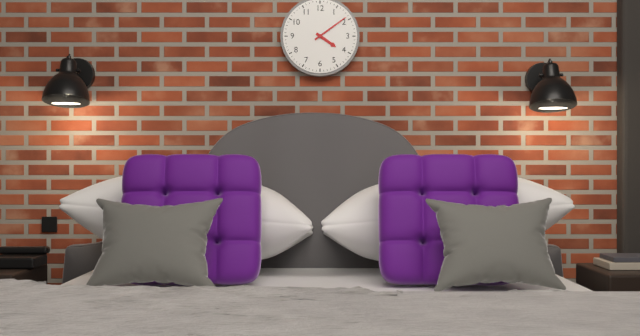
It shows 4:09
